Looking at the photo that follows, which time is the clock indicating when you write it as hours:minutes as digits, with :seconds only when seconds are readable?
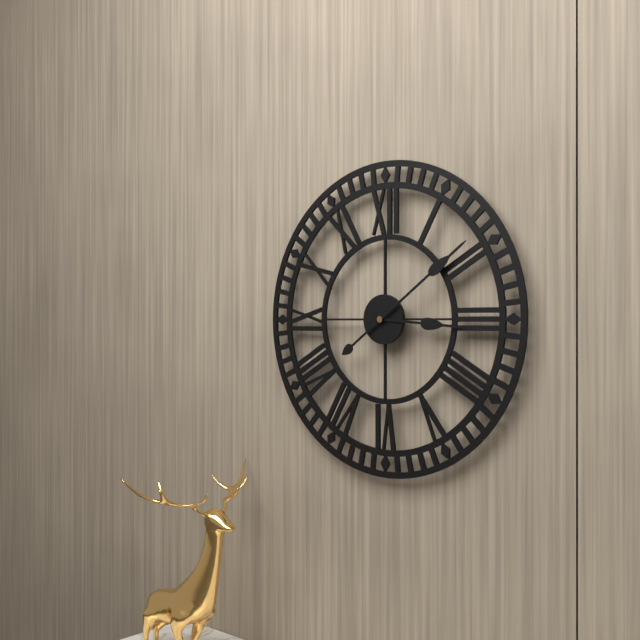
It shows 3:09
